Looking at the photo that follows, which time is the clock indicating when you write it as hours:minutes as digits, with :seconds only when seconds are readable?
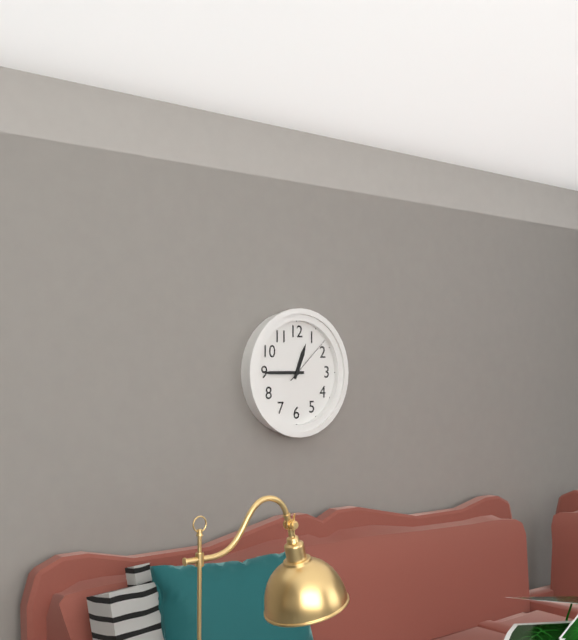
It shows 12:45:08
